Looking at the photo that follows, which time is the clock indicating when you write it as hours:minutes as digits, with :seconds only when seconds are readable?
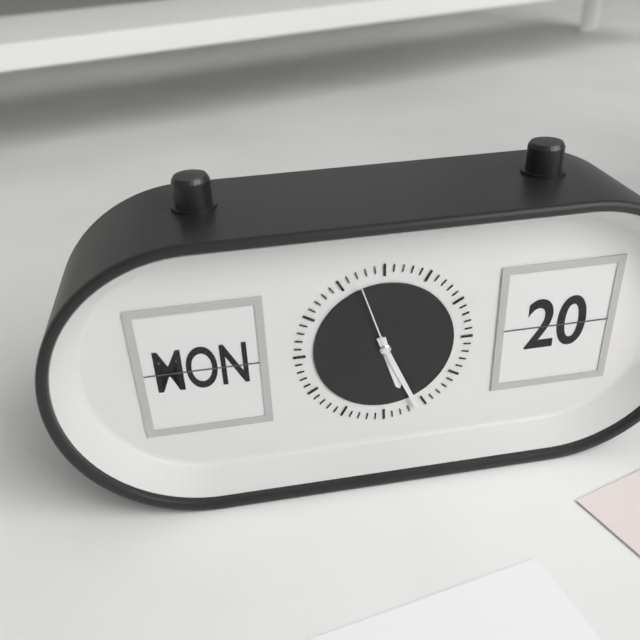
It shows 5:26:57
